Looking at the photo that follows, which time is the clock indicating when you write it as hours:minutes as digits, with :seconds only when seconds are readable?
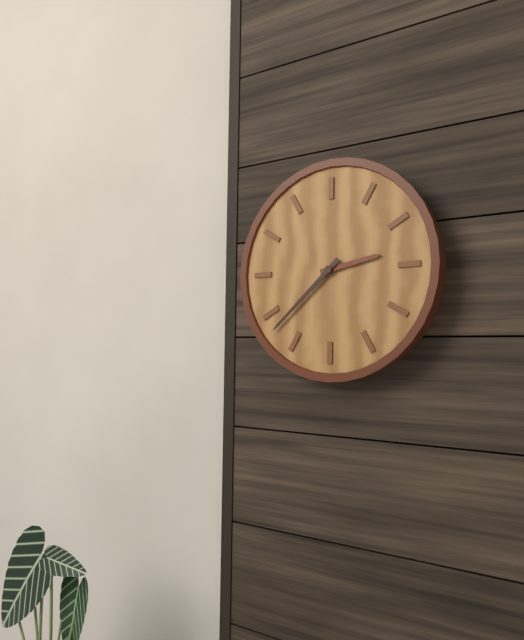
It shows 2:38
